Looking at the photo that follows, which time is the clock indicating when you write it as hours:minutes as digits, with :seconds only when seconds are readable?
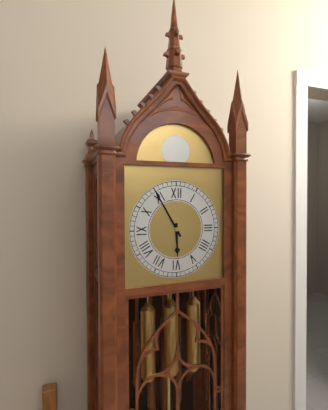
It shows 5:55
